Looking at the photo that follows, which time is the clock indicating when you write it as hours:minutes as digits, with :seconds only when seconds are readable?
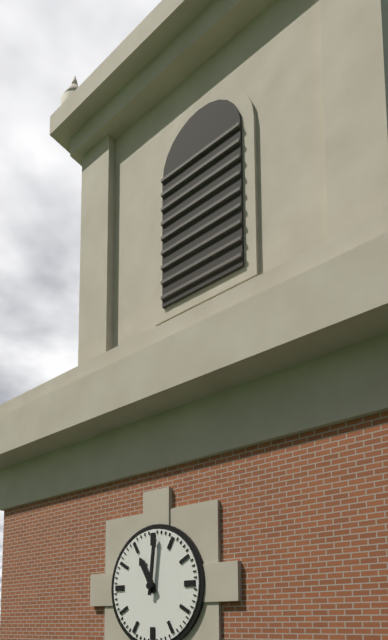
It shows 11:01
